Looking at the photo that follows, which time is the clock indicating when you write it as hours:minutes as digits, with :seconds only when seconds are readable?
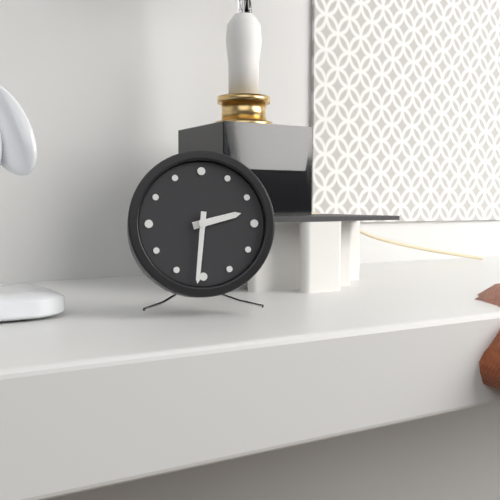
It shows 2:31
